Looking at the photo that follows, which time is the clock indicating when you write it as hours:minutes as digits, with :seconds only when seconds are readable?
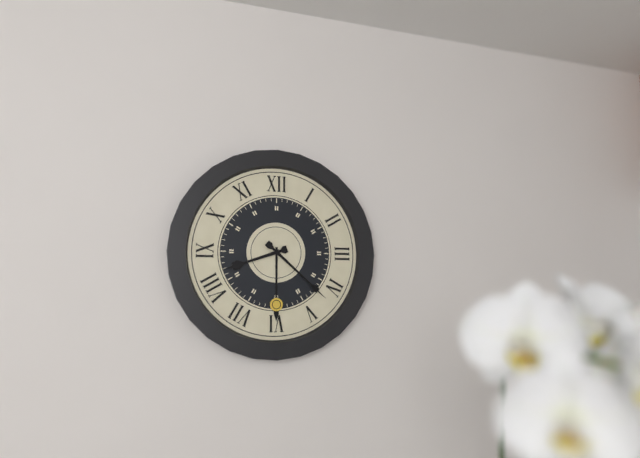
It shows 8:22
